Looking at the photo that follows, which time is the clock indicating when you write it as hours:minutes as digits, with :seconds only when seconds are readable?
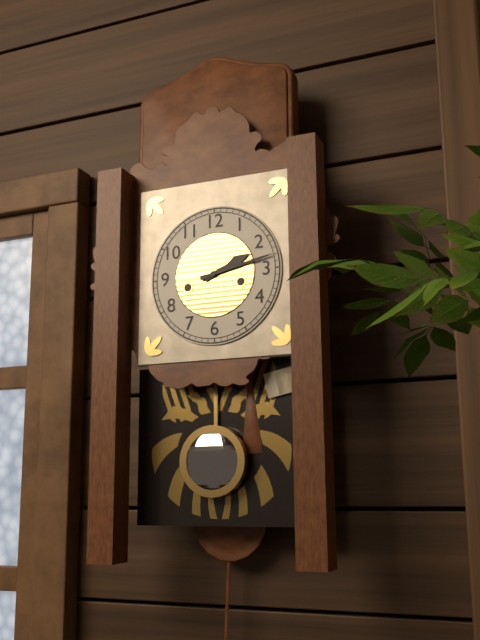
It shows 2:13
